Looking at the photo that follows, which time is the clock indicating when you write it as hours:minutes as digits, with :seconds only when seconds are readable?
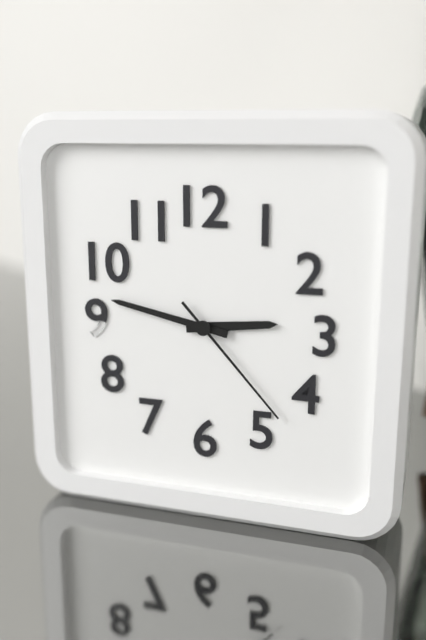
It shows 2:47:23
